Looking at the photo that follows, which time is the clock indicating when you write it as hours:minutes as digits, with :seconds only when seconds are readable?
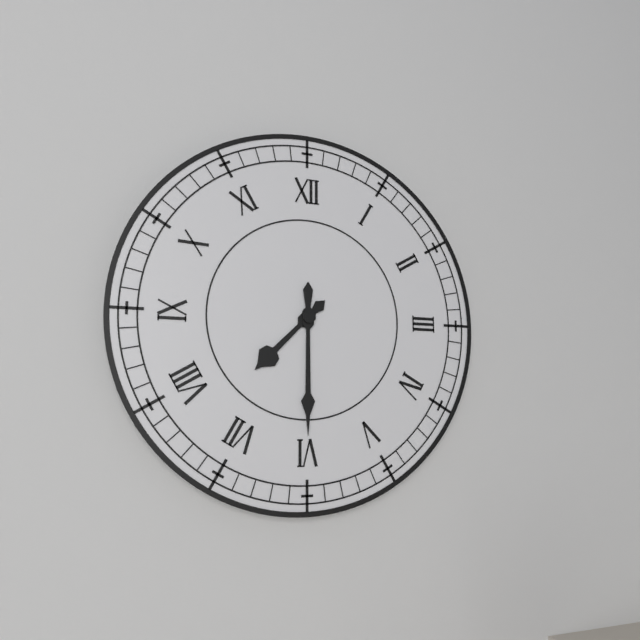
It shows 7:30
